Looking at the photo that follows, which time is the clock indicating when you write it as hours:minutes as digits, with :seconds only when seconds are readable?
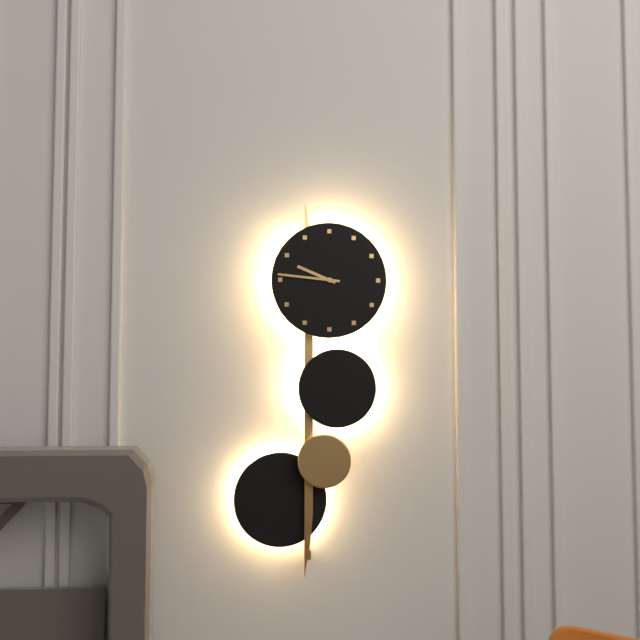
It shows 9:46
